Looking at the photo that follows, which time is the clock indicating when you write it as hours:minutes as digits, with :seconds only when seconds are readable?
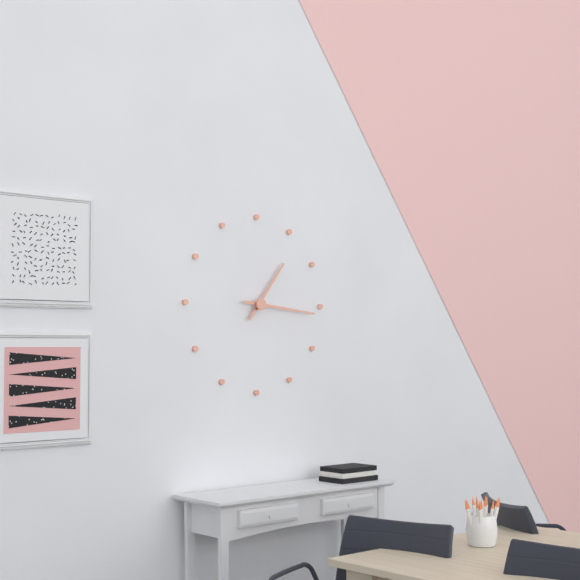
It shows 1:16
